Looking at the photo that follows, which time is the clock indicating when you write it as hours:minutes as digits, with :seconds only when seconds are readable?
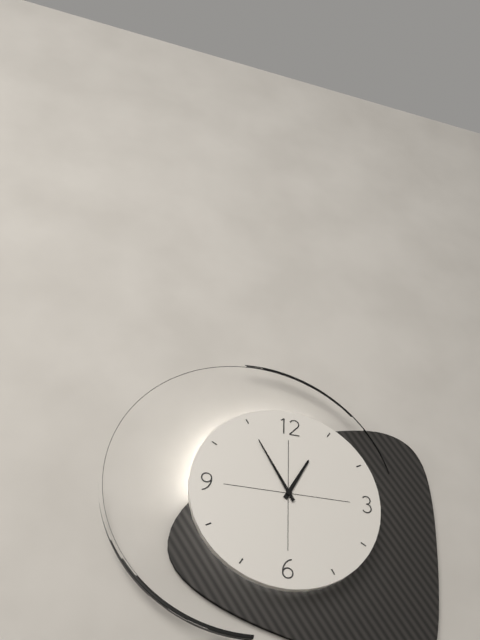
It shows 12:55
